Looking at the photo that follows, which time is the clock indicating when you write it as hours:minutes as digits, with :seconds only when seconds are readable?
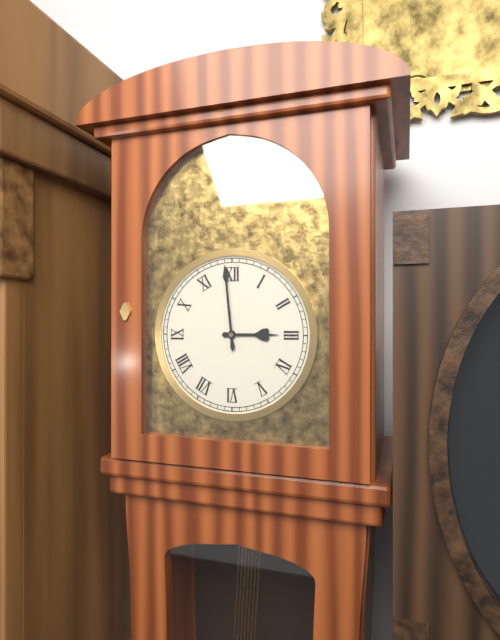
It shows 2:59
